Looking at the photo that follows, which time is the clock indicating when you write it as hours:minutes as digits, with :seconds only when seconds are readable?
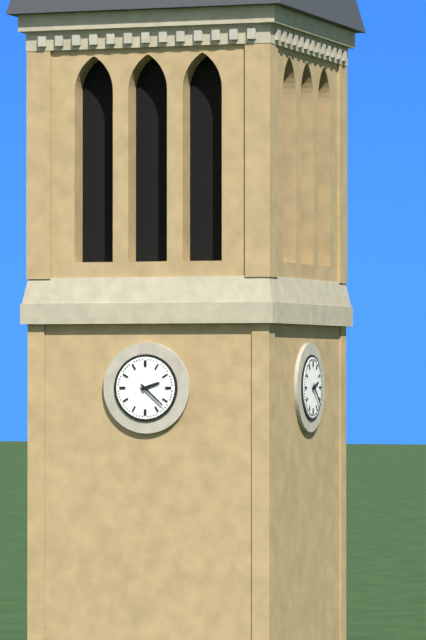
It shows 2:22
